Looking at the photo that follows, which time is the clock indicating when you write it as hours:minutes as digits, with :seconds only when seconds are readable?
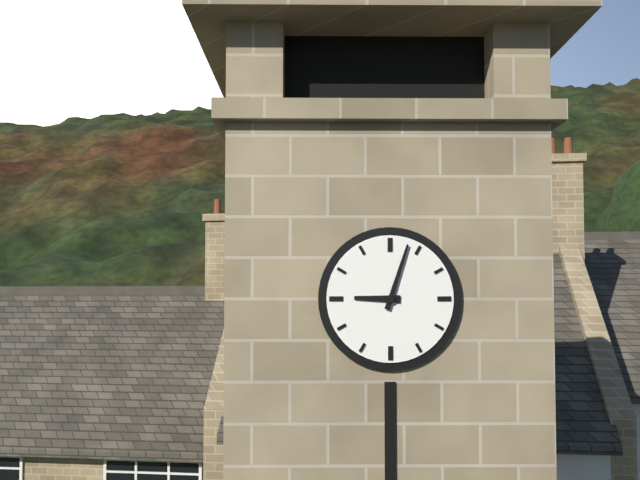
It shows 9:03
